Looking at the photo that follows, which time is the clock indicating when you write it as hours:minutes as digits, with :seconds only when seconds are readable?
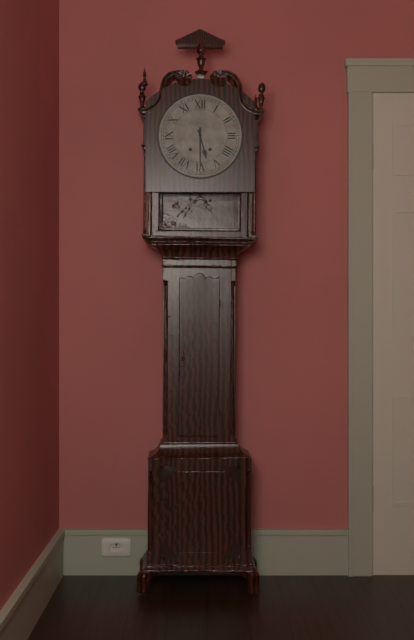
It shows 5:30
